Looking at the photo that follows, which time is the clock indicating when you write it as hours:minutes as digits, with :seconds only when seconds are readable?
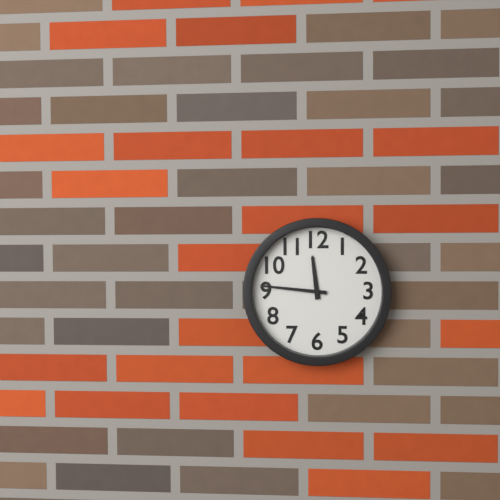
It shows 11:46
